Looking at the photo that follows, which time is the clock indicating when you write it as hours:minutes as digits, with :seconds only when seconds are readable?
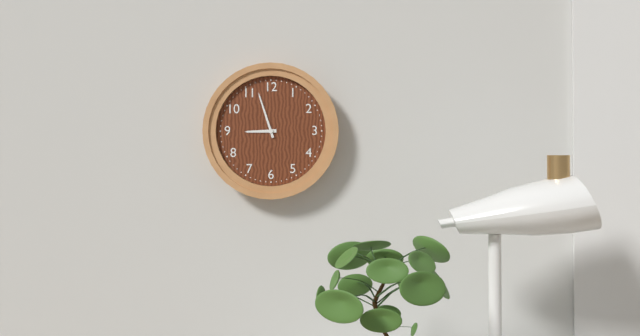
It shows 8:57
